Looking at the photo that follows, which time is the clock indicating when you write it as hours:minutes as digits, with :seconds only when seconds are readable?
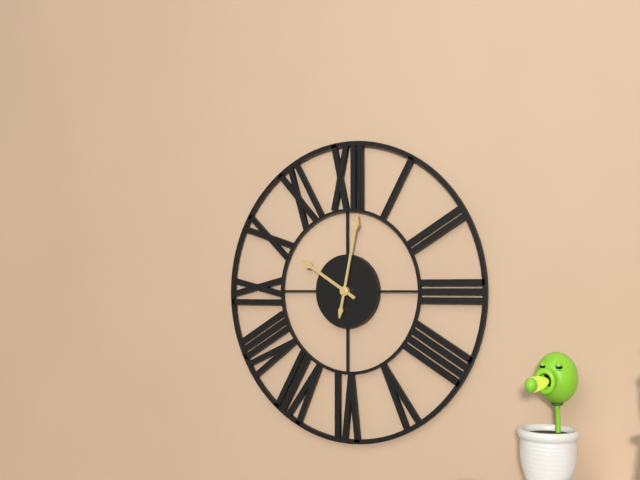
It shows 10:02
